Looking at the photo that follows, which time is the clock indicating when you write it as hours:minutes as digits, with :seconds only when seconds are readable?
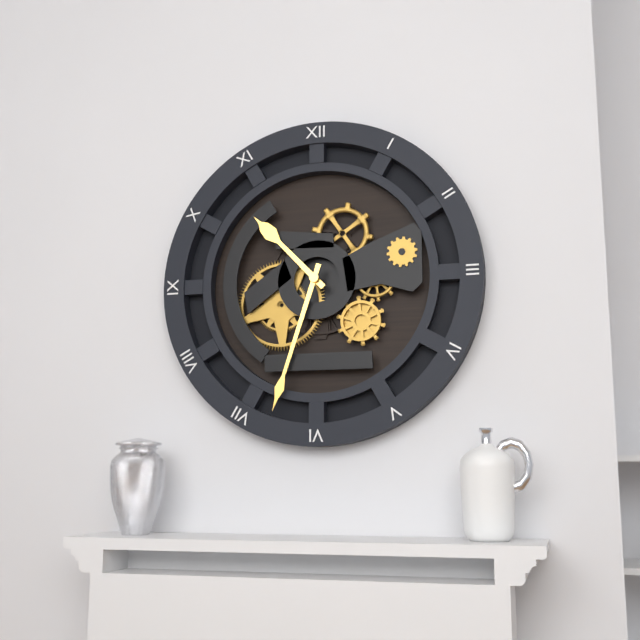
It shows 10:33
